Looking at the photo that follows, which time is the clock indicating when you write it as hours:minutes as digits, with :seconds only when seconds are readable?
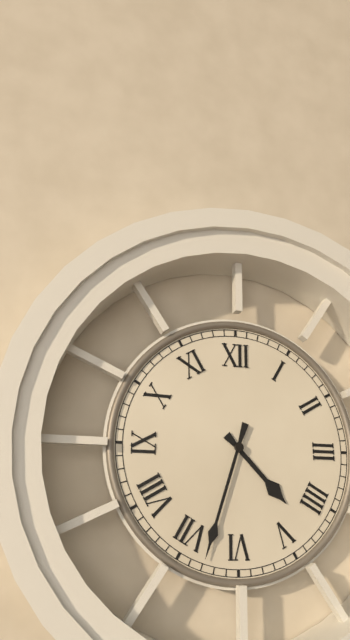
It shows 4:33
